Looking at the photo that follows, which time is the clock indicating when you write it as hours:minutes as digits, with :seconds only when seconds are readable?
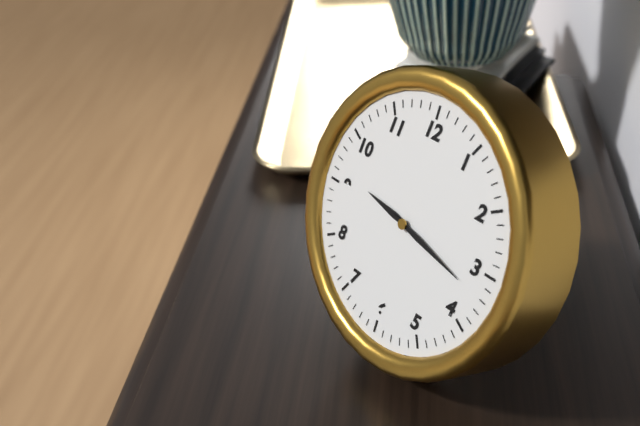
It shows 9:17
